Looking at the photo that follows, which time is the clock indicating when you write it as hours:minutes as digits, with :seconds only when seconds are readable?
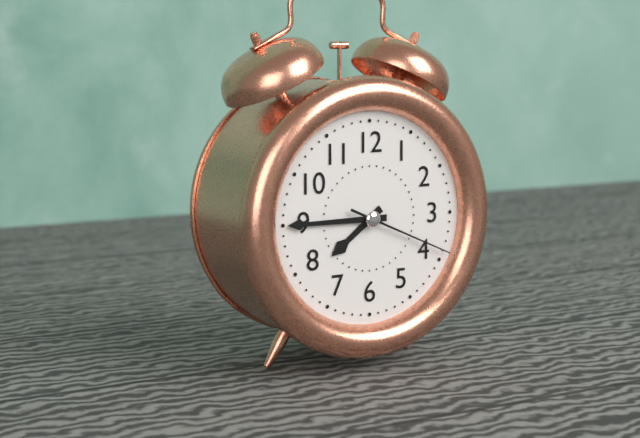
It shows 7:45:19
